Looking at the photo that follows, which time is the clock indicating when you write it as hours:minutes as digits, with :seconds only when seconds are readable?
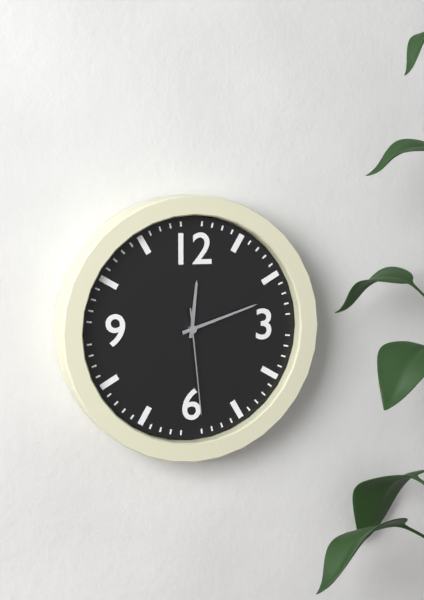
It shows 12:12:29
